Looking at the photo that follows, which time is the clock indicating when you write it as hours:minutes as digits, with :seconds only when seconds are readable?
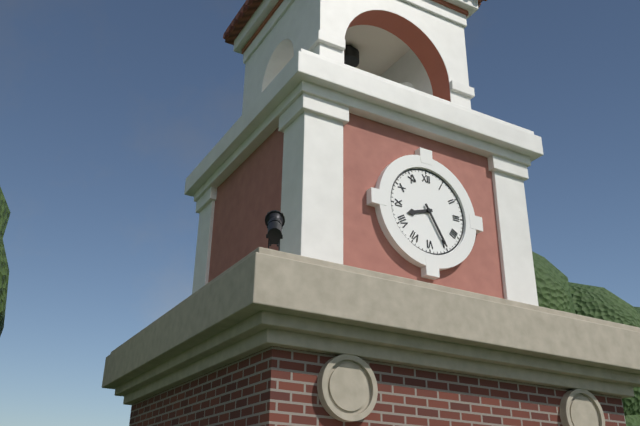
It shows 8:25
